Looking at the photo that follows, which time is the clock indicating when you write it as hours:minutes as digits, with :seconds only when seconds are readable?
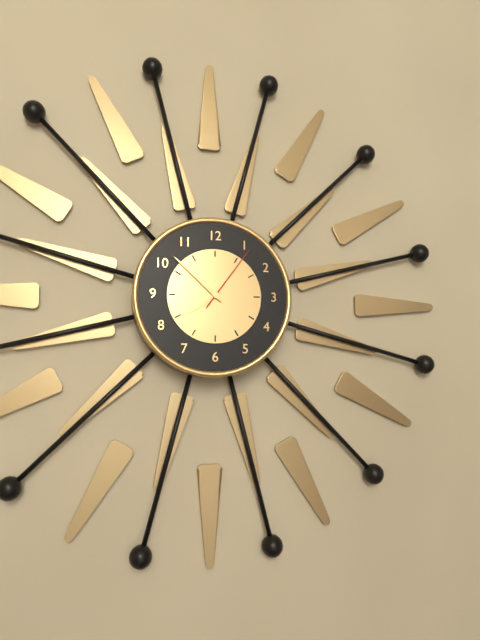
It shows 7:52:06
